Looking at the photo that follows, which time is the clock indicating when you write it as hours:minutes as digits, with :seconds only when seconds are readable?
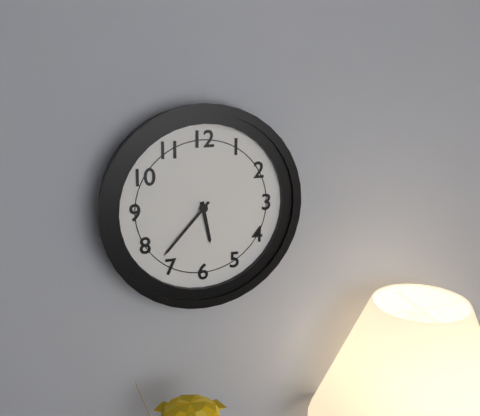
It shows 5:37
